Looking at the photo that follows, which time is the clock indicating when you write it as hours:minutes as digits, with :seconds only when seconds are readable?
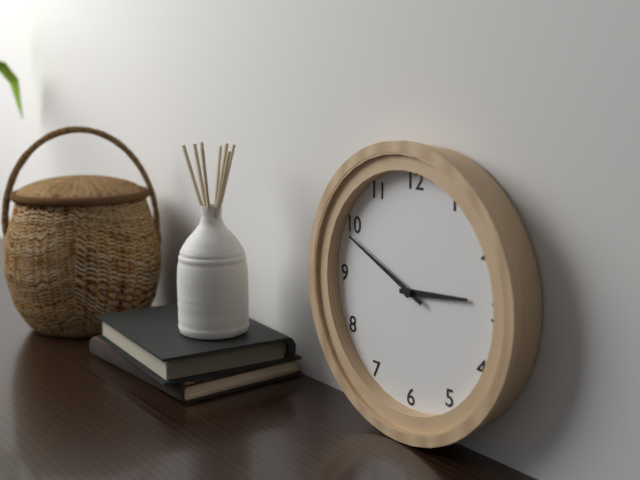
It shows 2:49
